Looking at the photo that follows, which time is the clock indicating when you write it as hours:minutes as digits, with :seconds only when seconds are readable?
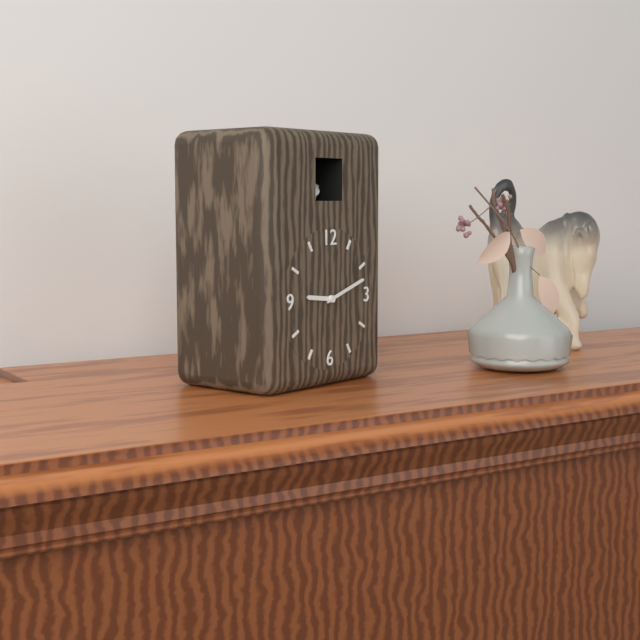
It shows 9:12
